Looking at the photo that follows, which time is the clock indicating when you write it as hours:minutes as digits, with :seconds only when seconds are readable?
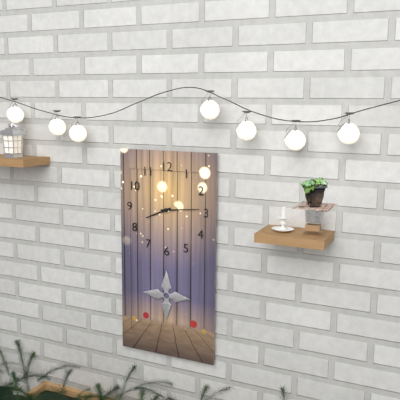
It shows 8:14
